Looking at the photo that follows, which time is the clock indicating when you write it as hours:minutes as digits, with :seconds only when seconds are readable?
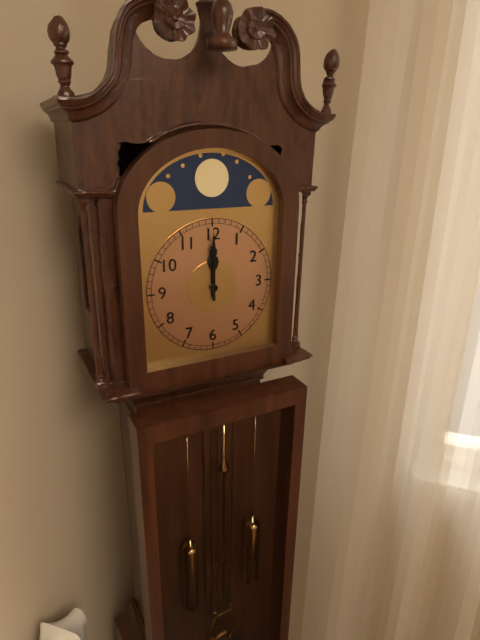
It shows 12:00
